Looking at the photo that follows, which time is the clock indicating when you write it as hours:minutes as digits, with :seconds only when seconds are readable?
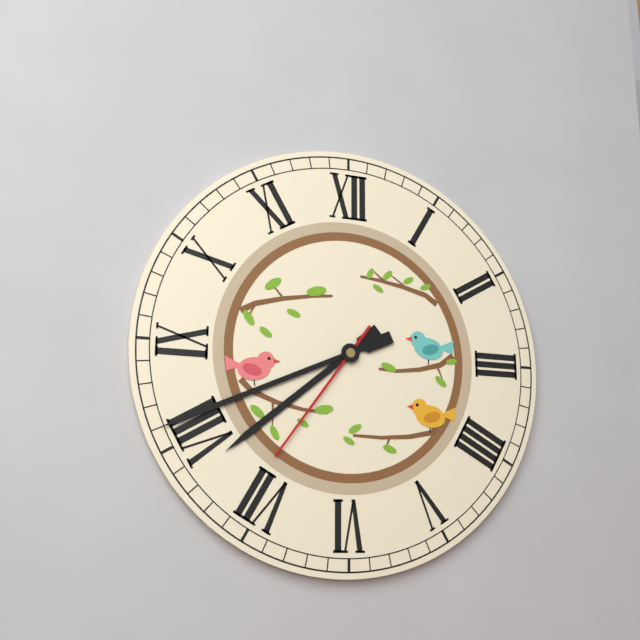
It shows 7:41:36
